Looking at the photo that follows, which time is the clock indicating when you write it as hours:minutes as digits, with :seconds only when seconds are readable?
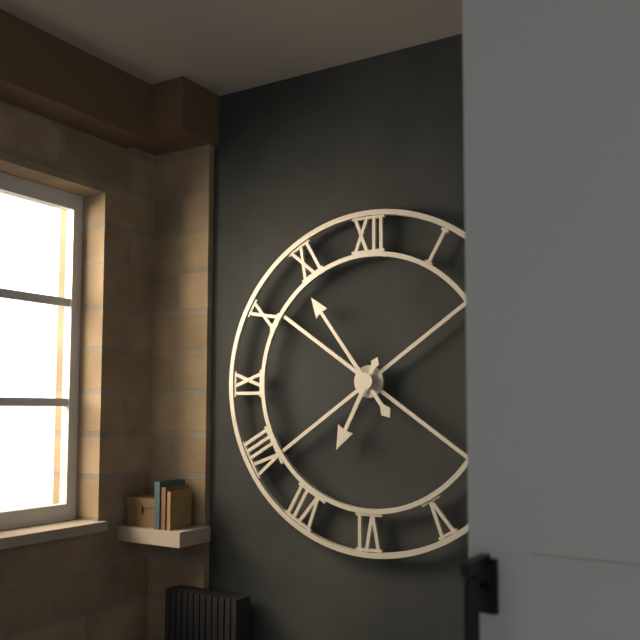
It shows 6:54
